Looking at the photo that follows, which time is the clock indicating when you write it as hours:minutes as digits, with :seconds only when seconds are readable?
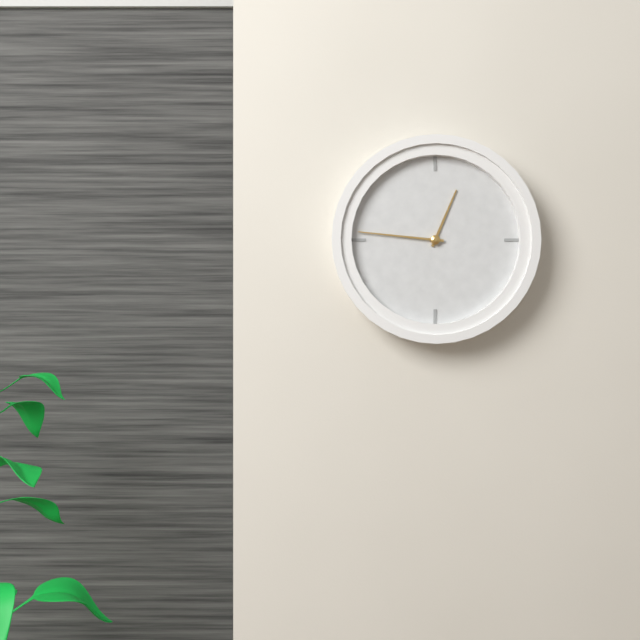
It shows 12:46
